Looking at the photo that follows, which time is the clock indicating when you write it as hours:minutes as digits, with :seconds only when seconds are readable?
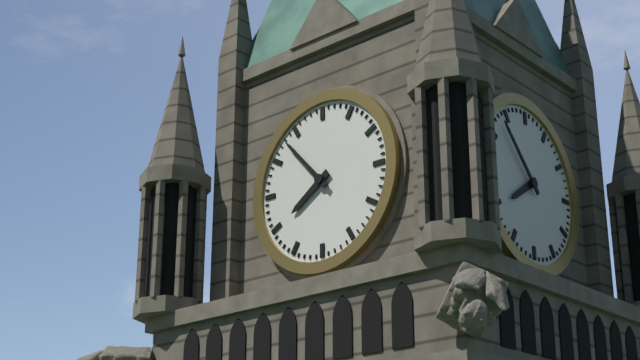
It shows 7:53
